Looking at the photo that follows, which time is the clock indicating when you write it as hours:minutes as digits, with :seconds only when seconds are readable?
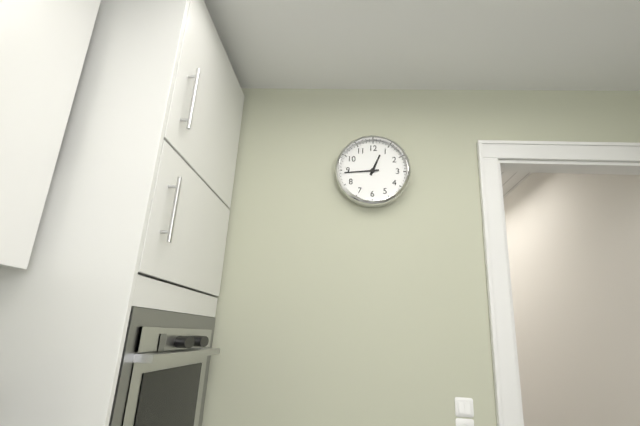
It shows 12:44
